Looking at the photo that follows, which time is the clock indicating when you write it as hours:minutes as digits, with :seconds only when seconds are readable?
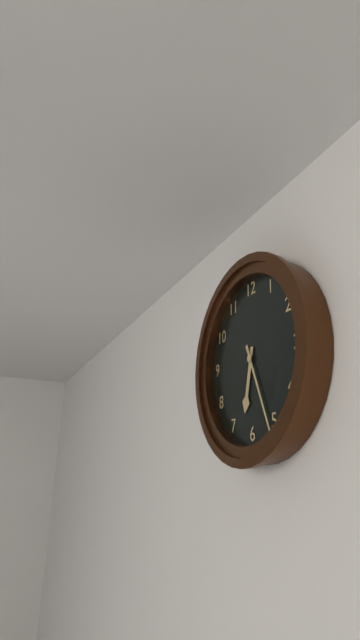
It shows 6:26
